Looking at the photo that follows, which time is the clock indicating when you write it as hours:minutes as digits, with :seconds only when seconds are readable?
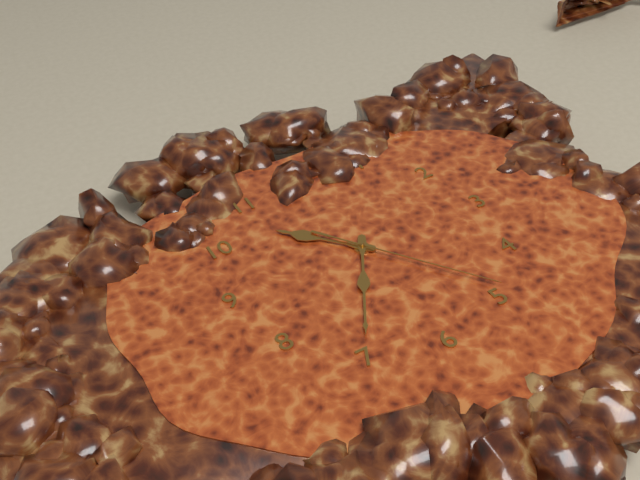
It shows 10:35:24
